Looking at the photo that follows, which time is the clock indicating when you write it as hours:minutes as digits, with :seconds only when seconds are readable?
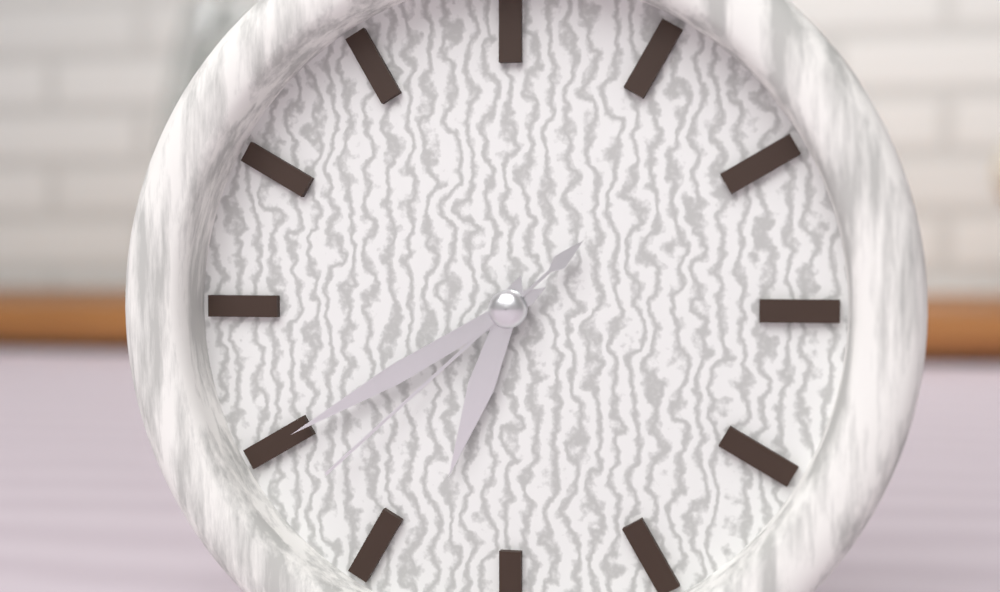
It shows 6:40:38
